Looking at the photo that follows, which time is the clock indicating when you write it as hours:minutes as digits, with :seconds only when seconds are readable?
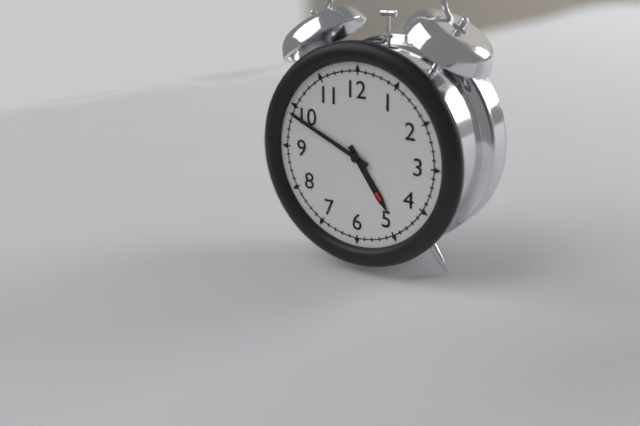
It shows 4:49
